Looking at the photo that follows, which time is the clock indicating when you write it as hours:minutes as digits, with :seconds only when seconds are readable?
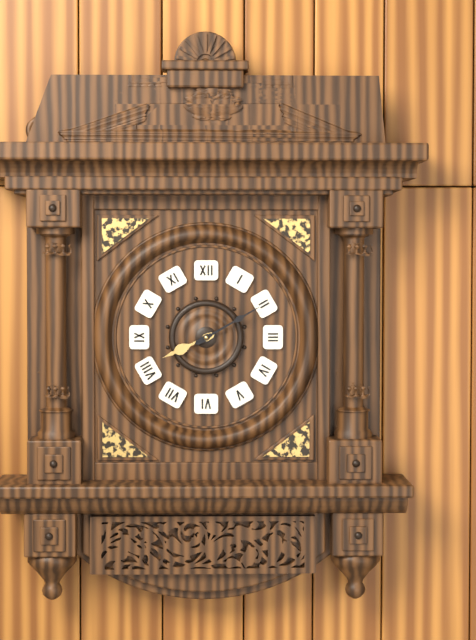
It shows 8:10
